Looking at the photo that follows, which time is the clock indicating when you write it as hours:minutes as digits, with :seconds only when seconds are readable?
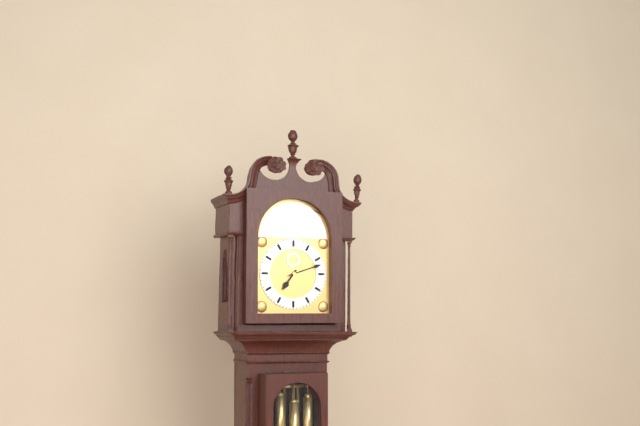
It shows 7:12
